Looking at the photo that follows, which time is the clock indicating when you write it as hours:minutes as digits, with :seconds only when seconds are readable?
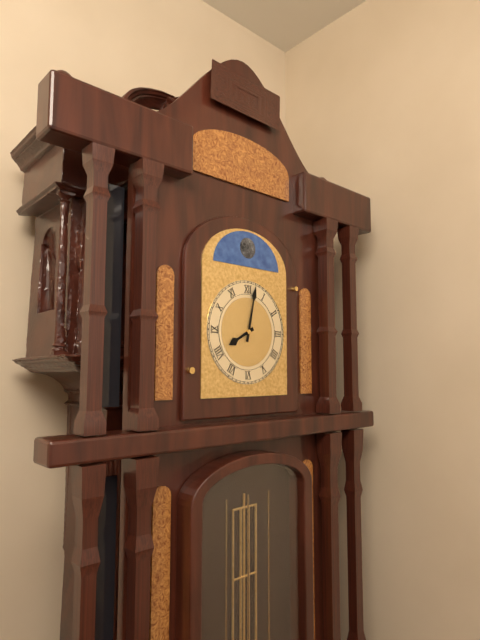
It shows 8:02
